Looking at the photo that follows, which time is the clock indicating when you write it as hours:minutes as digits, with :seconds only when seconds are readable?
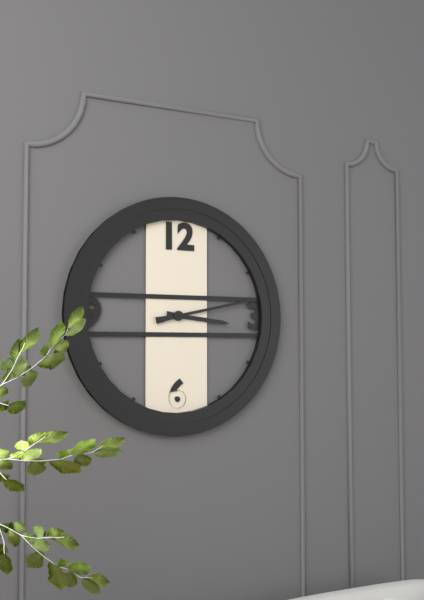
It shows 3:13
